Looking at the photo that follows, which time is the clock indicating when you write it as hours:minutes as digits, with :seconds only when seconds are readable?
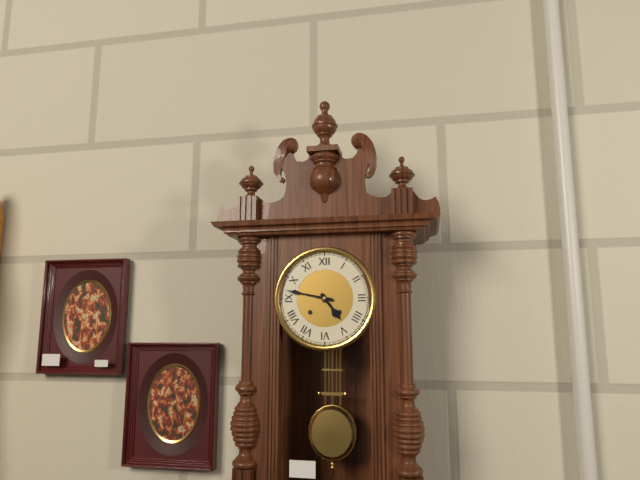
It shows 4:47
